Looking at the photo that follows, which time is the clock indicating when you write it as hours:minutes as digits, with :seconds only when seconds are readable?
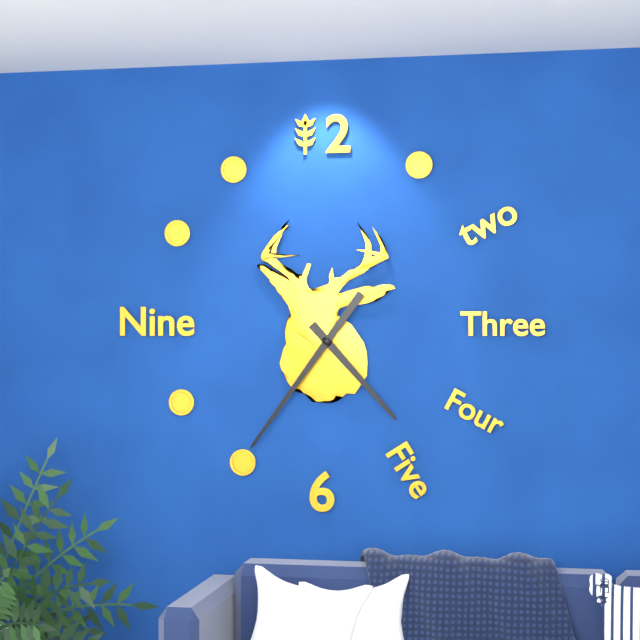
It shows 4:36
